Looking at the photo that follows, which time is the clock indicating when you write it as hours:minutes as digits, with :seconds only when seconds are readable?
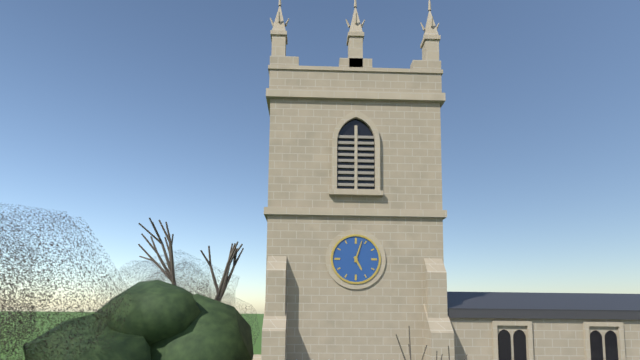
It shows 5:03
